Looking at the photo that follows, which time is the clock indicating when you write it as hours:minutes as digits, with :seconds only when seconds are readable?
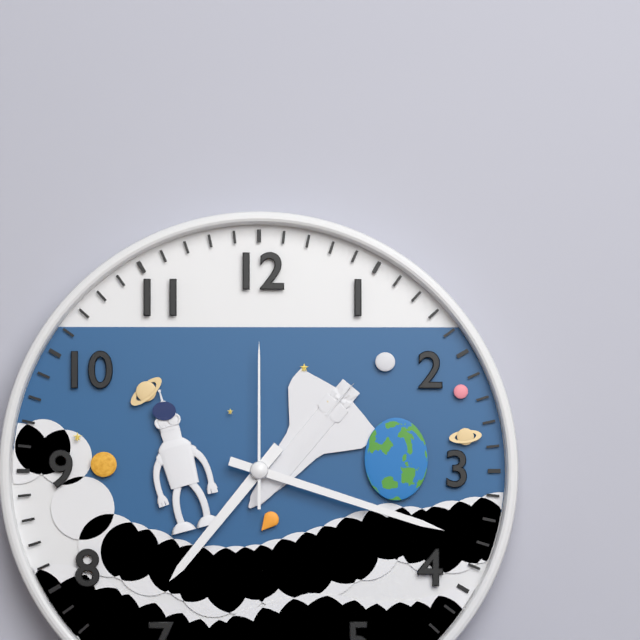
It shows 7:18:00
